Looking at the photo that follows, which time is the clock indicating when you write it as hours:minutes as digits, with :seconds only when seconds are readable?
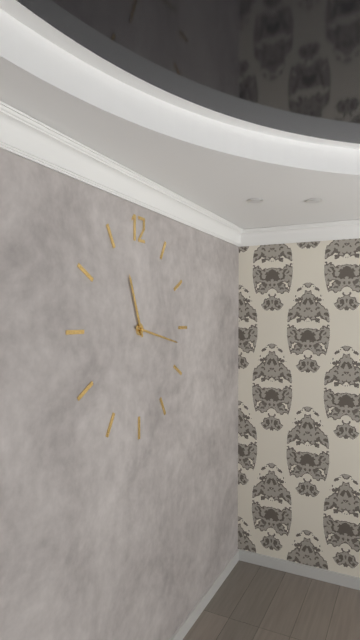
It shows 11:17
